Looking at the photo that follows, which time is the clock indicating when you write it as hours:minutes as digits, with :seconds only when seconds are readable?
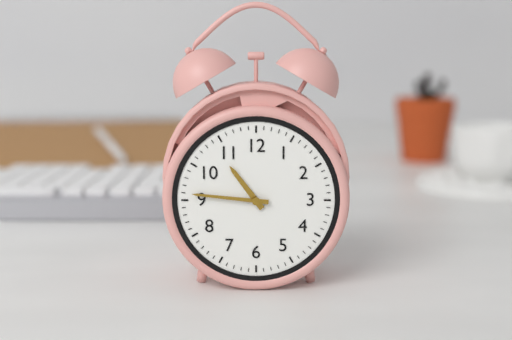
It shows 10:46
